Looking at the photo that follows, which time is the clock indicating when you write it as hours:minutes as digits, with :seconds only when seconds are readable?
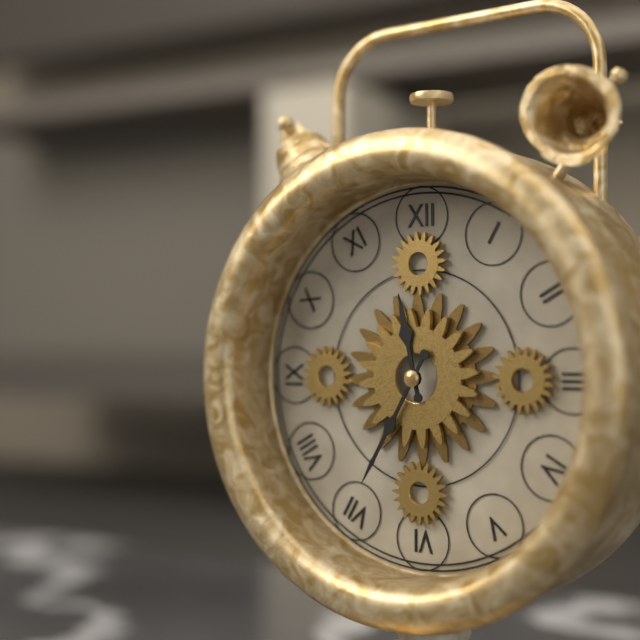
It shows 11:35
